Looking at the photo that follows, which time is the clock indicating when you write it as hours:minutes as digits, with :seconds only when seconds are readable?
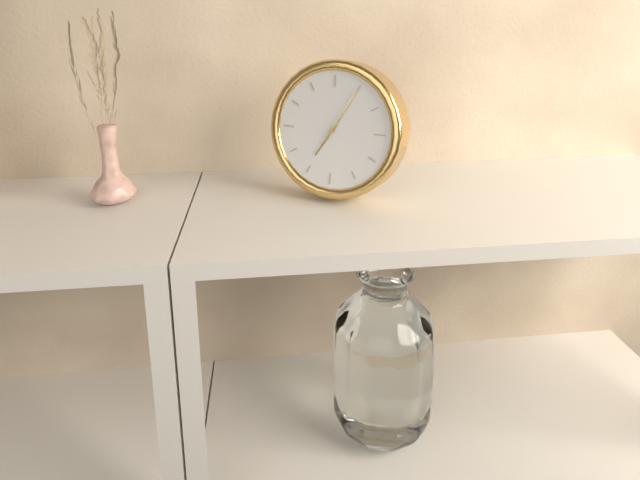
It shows 7:05
